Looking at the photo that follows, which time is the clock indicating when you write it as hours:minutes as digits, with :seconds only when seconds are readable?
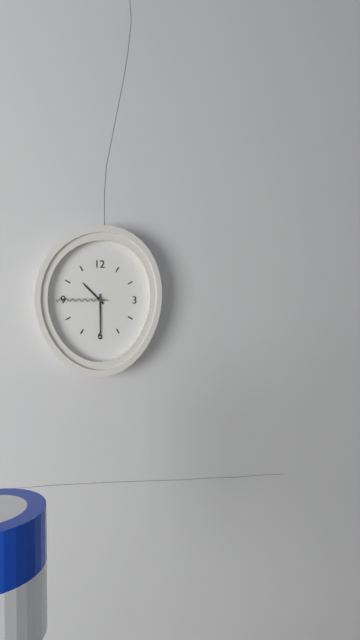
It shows 10:30:45
